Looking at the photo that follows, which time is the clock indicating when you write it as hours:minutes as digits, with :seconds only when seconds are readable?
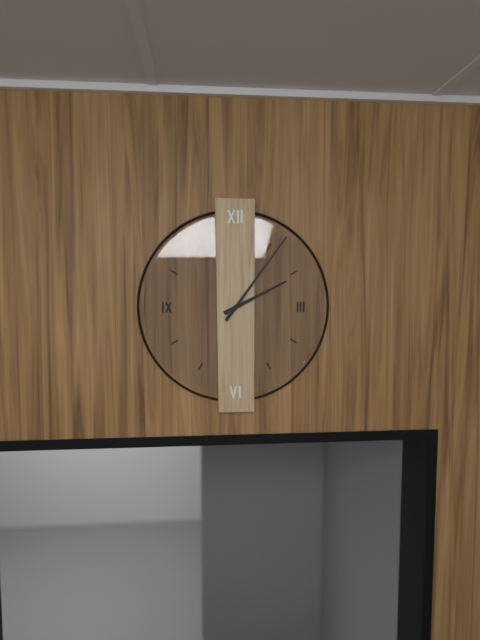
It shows 2:06
